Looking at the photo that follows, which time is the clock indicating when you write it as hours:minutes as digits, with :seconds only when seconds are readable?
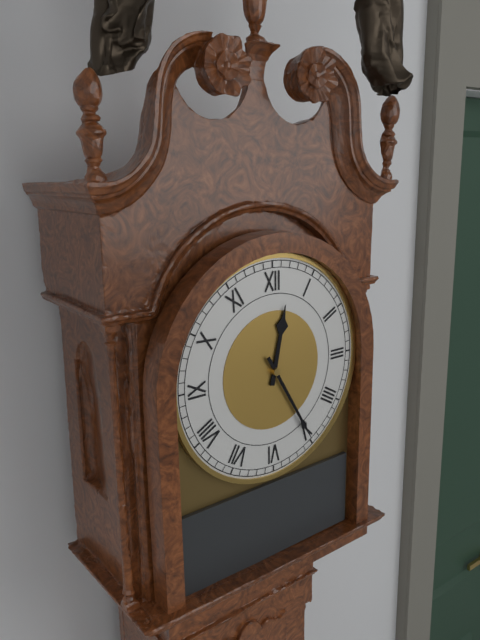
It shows 12:25
